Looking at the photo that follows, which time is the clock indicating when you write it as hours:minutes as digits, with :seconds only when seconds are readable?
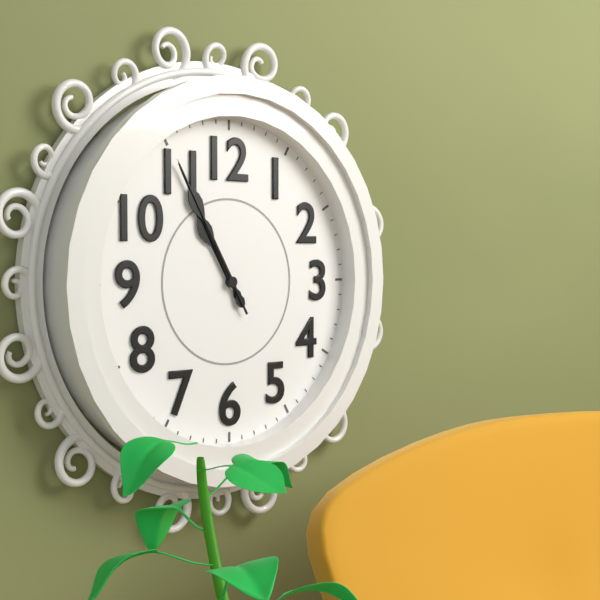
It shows 10:55:55
